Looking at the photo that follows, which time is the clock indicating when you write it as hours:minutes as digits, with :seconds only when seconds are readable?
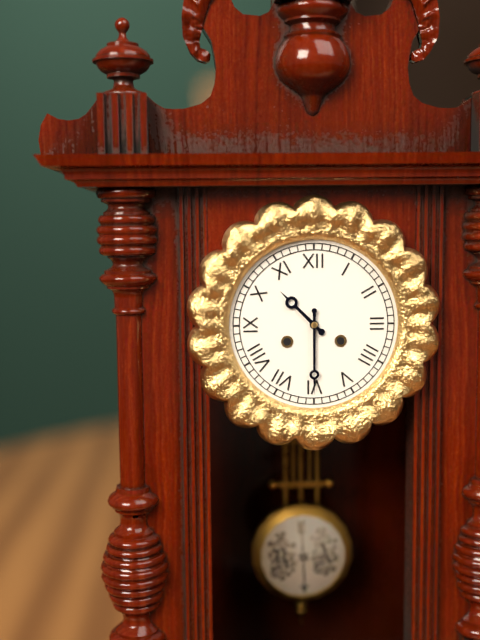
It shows 10:30
